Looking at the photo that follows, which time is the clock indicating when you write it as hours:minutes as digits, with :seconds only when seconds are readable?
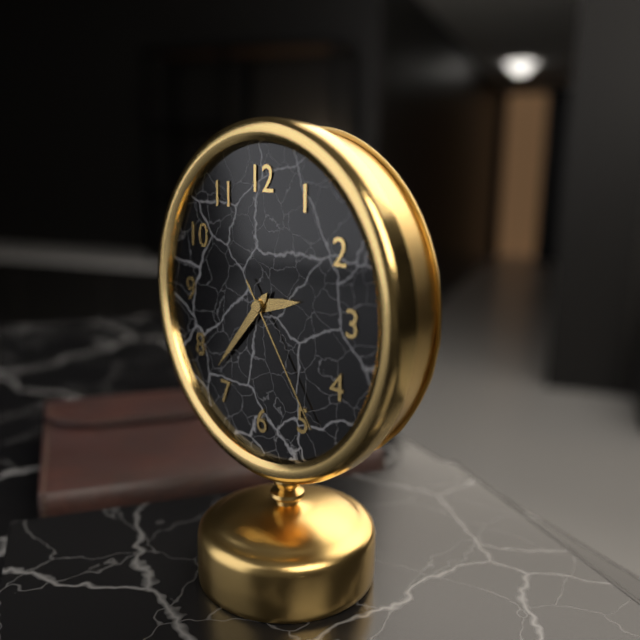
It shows 2:37:24
